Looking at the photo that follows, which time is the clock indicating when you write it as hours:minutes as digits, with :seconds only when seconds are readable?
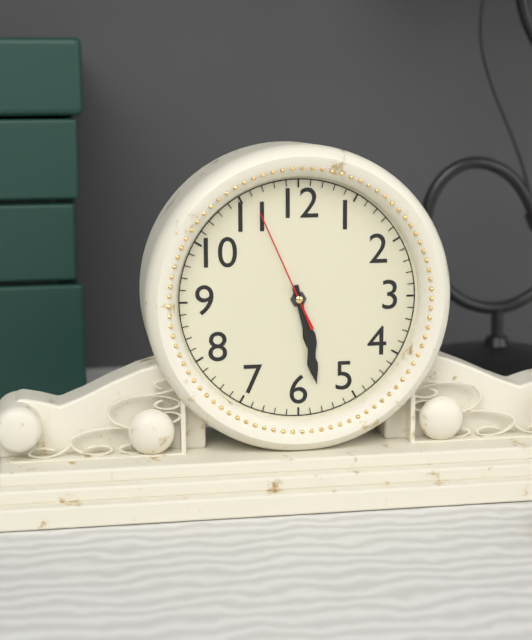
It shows 5:28:56
